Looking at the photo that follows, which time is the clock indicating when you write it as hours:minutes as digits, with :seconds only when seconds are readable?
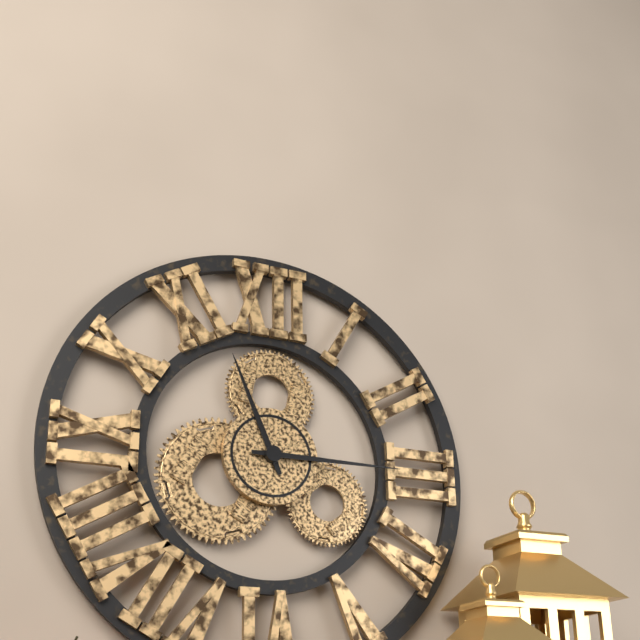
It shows 11:15
